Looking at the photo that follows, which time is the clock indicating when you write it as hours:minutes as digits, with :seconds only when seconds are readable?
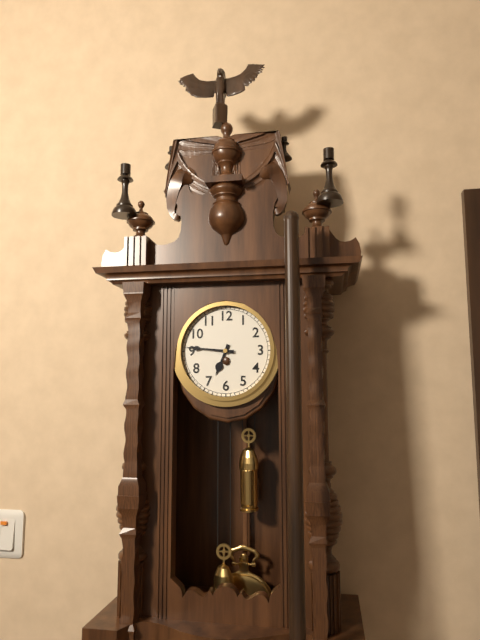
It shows 6:46
